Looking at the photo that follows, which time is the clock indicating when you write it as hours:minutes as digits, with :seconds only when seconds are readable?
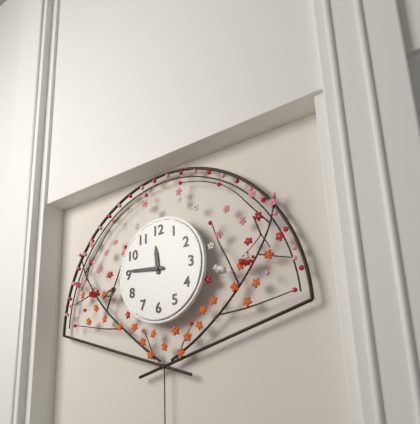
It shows 11:46
